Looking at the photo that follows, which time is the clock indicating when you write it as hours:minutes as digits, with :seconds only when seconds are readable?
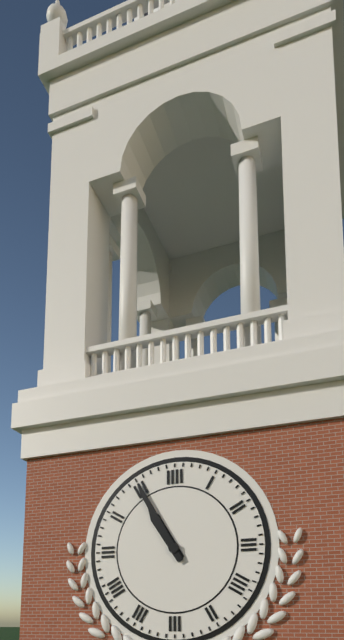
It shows 10:55
